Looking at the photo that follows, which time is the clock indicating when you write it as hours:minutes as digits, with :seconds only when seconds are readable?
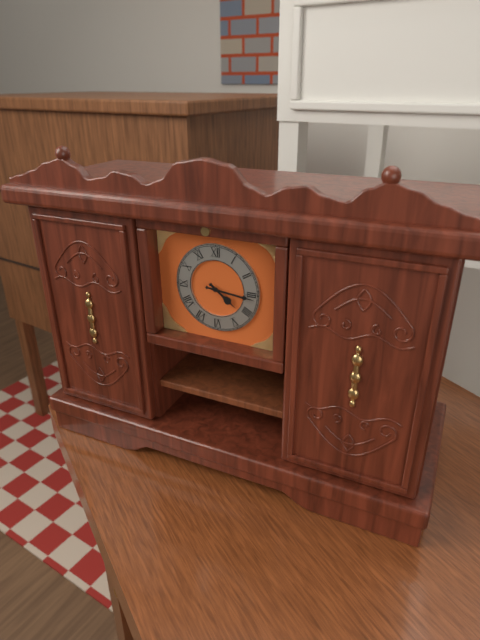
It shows 4:16
